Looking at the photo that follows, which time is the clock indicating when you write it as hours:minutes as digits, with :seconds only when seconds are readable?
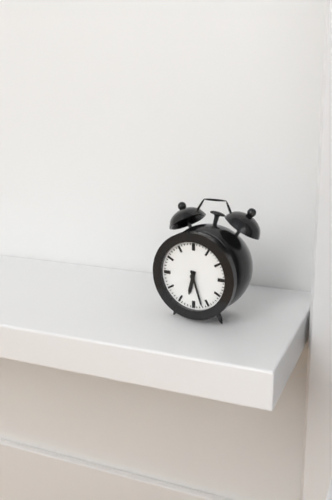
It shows 6:27
